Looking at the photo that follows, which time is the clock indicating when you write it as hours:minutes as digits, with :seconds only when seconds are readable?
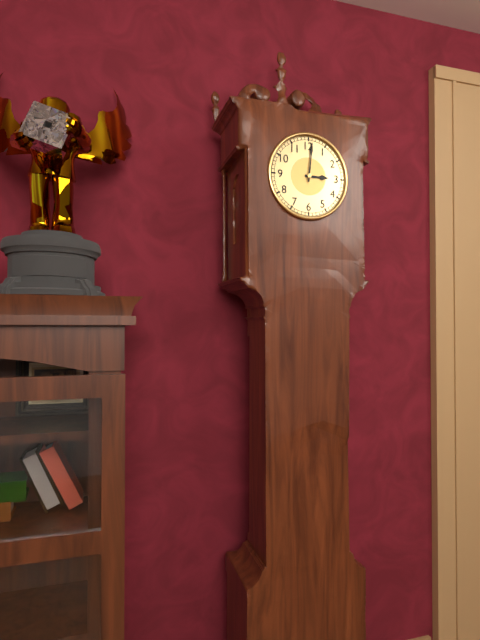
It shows 3:01
